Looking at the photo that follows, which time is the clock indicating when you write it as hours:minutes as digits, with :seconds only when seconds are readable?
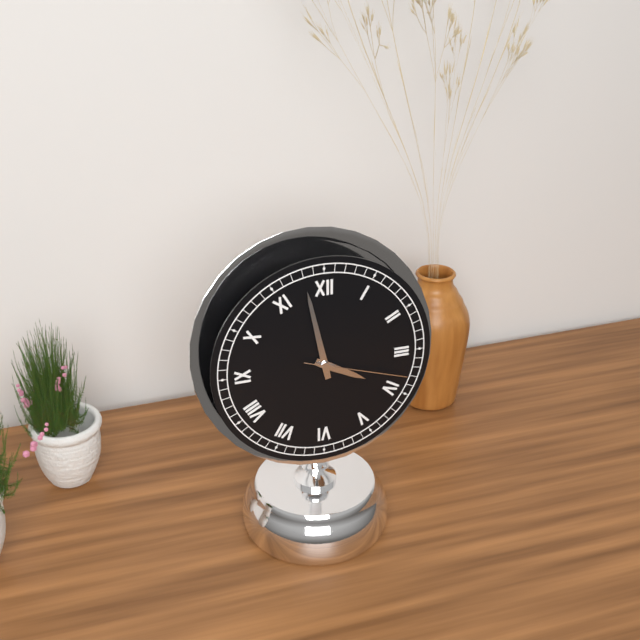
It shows 3:58:18
